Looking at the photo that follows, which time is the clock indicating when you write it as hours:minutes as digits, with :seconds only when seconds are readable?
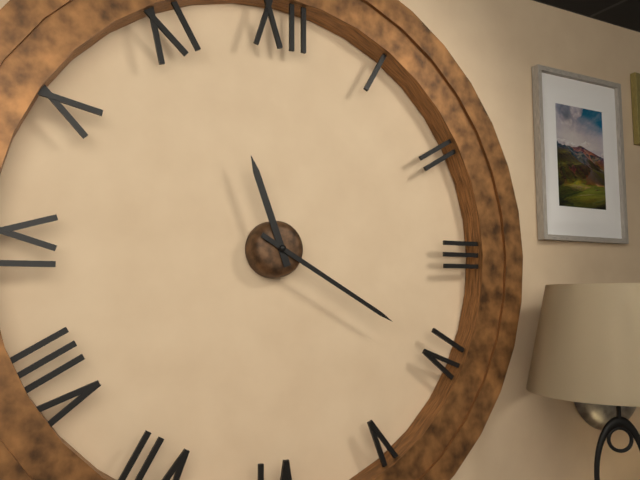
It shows 11:20
